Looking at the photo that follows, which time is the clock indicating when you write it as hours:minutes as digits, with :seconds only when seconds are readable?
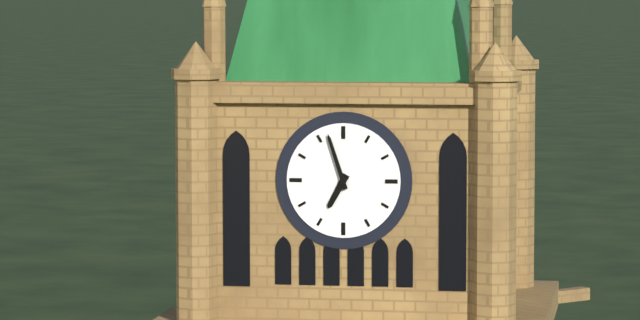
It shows 6:57
